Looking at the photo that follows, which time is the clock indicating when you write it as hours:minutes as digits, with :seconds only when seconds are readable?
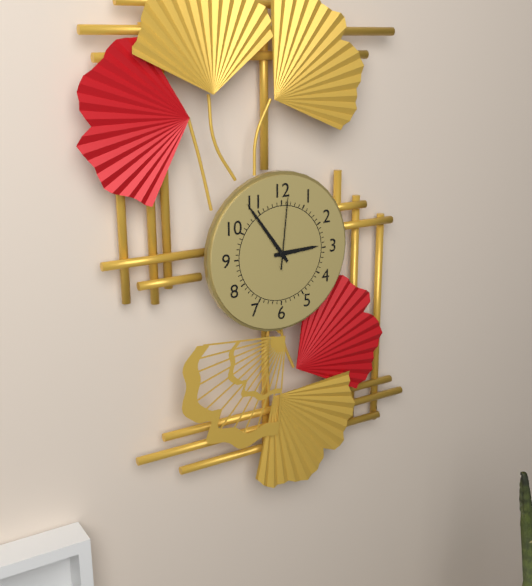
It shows 2:54:01
